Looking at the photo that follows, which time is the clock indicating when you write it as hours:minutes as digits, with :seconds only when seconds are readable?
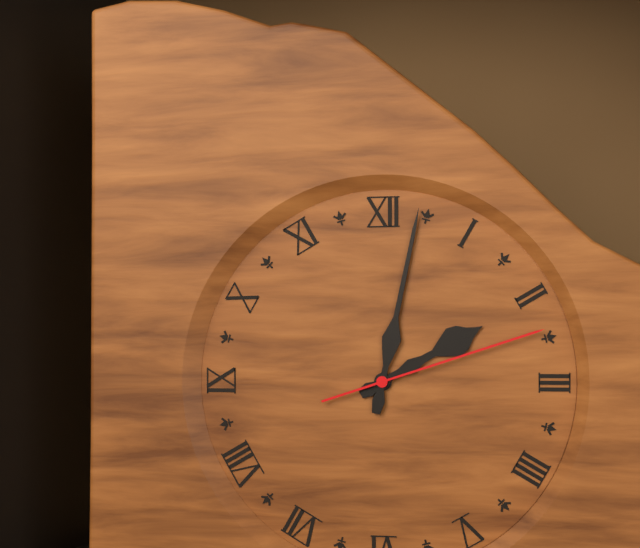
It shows 2:02:12
